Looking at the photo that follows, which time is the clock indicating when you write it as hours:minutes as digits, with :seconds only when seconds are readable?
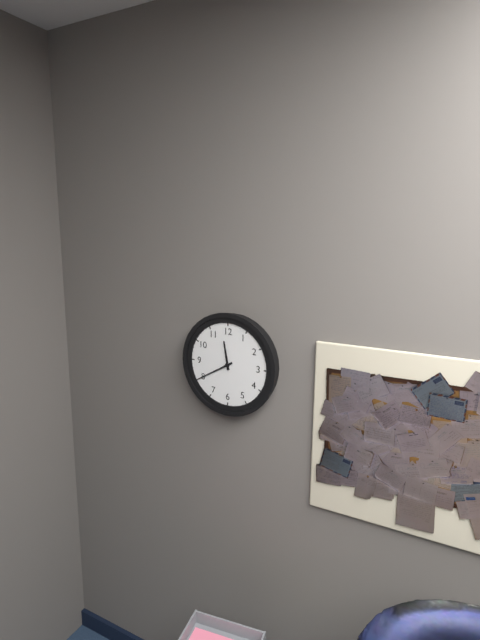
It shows 11:40
